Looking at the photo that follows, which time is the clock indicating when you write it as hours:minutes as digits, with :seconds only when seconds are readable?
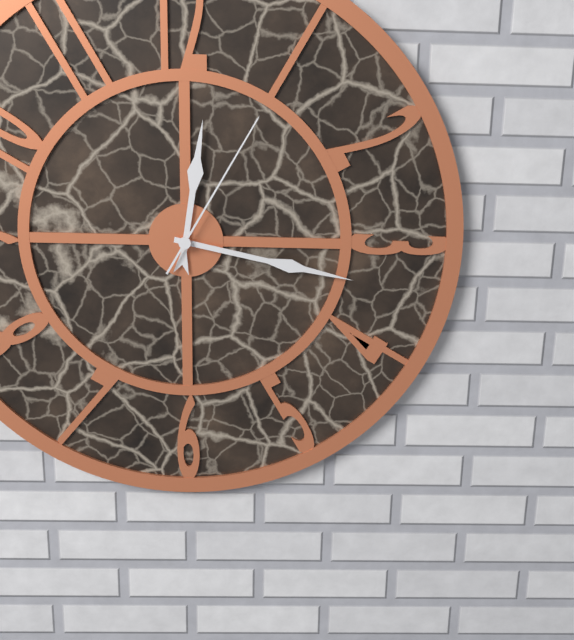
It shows 12:17:05
